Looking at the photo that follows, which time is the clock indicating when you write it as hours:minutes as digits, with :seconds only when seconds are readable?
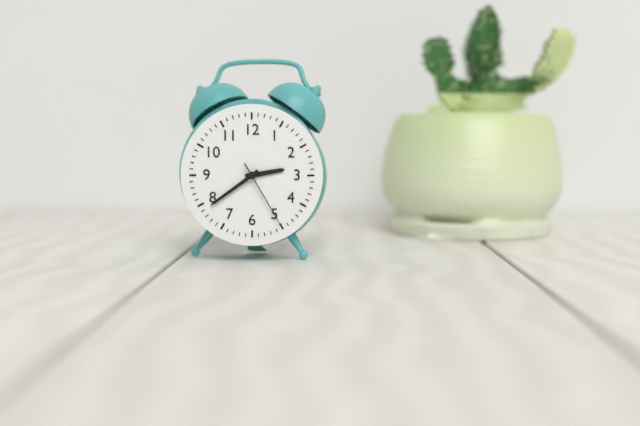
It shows 2:39:25
